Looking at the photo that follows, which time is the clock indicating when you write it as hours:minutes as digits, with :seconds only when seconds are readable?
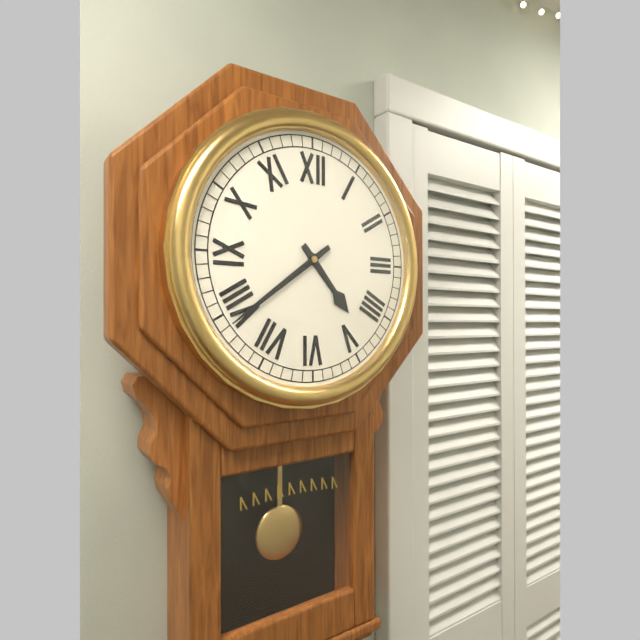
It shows 4:39
